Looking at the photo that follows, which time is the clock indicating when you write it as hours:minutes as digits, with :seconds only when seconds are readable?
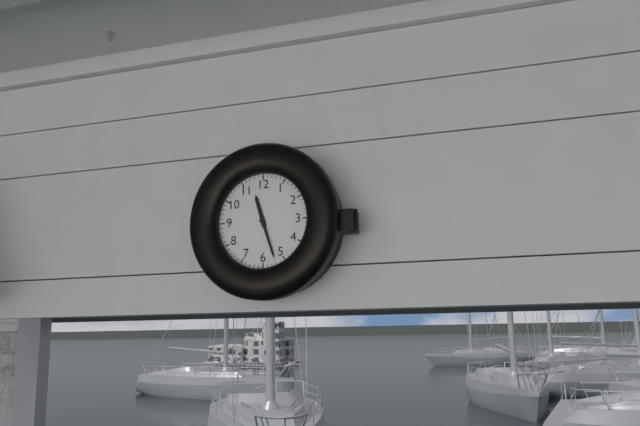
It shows 11:27
